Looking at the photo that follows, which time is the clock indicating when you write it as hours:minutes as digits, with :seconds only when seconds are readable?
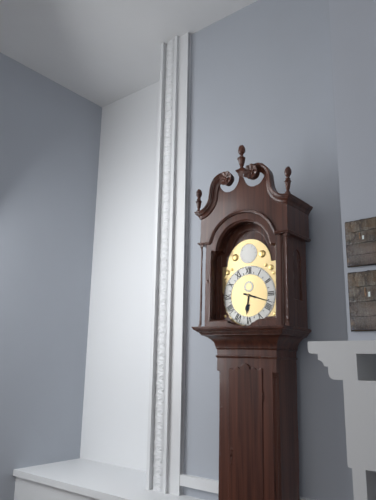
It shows 6:18
